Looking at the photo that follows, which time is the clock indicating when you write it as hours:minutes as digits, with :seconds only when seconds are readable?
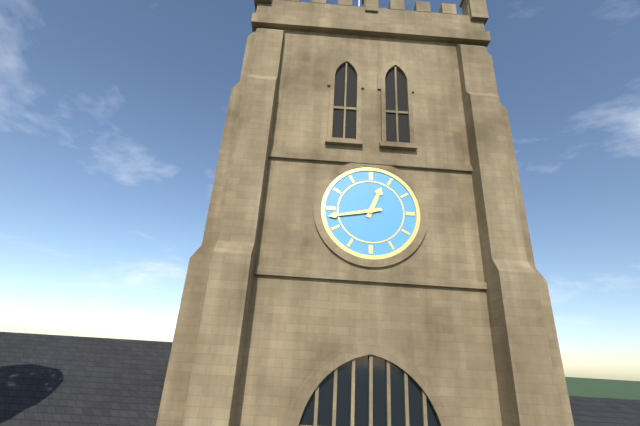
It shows 12:43
